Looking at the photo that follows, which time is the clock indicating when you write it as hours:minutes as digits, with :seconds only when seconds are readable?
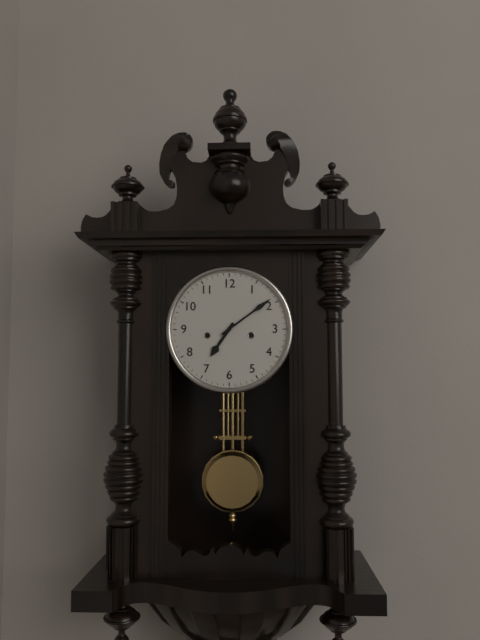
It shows 7:09
